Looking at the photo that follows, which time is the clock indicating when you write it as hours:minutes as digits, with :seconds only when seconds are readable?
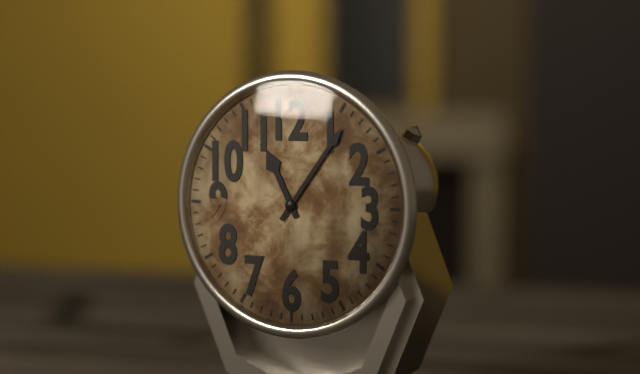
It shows 11:06
